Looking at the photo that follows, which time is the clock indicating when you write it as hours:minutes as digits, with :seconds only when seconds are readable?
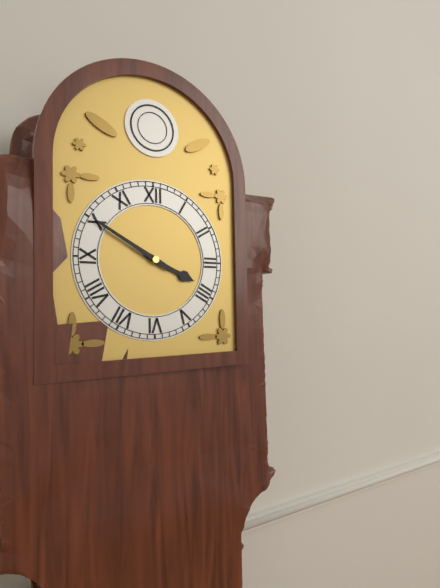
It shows 3:50
